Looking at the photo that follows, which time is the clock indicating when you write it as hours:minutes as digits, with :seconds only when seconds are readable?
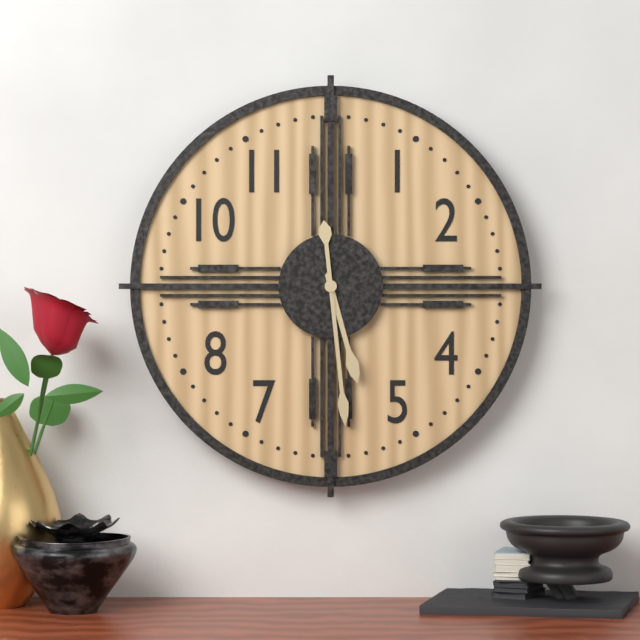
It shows 5:29
